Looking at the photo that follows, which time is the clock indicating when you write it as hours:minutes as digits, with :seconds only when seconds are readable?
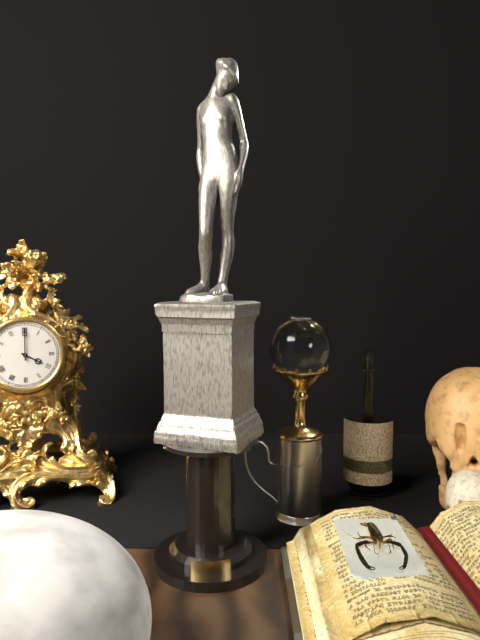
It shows 4:00
